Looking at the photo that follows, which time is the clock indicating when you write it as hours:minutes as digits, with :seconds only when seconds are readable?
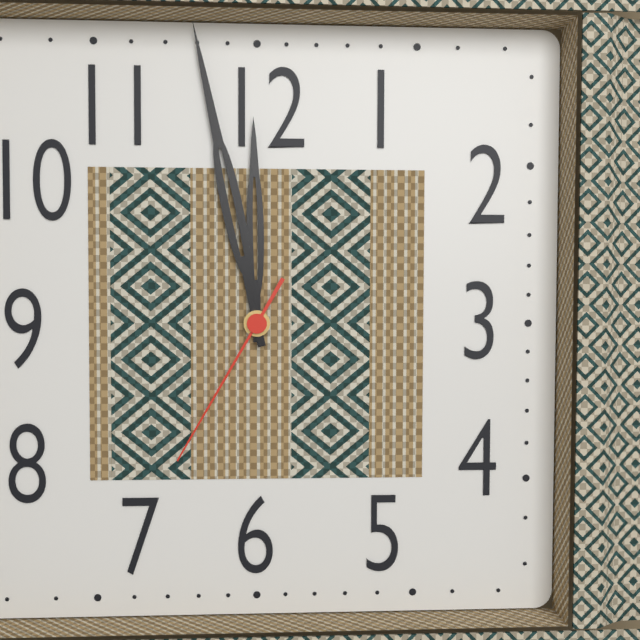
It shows 11:58:35
